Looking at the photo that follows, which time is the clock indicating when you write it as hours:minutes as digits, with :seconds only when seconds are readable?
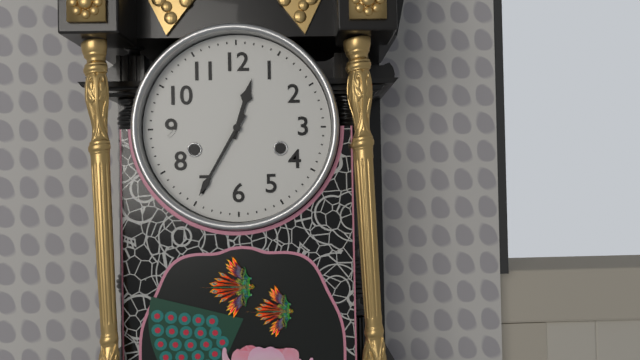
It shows 12:35
